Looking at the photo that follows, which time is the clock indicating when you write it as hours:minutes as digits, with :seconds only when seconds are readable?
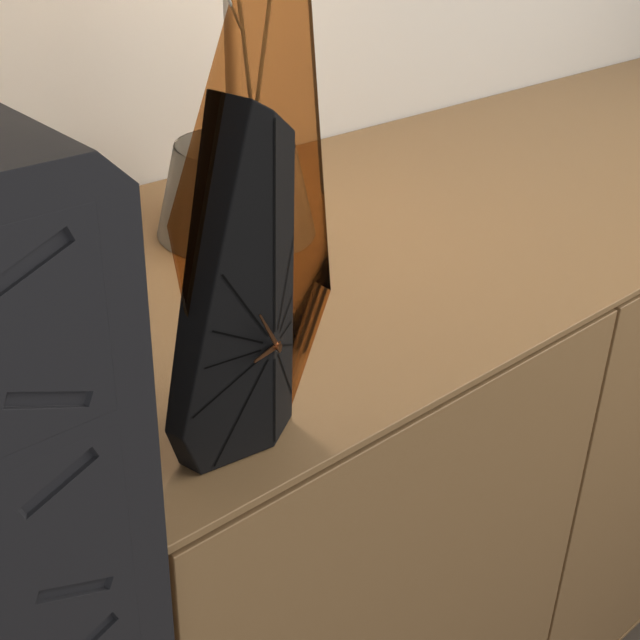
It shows 8:55
